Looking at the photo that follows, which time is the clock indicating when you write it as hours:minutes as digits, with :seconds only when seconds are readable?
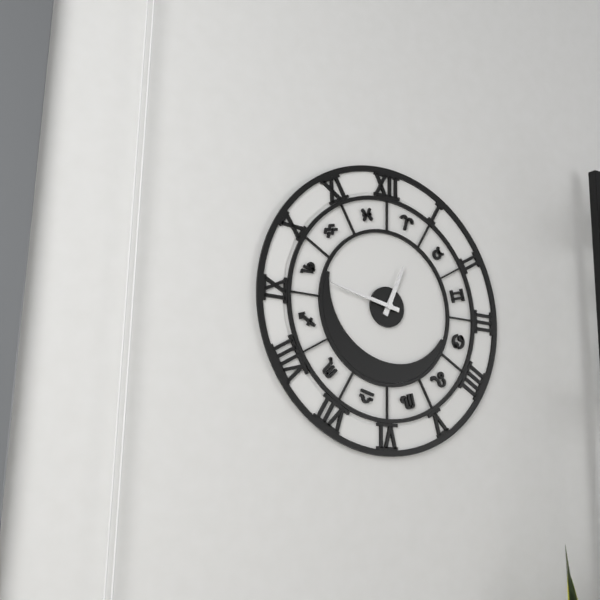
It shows 12:47
